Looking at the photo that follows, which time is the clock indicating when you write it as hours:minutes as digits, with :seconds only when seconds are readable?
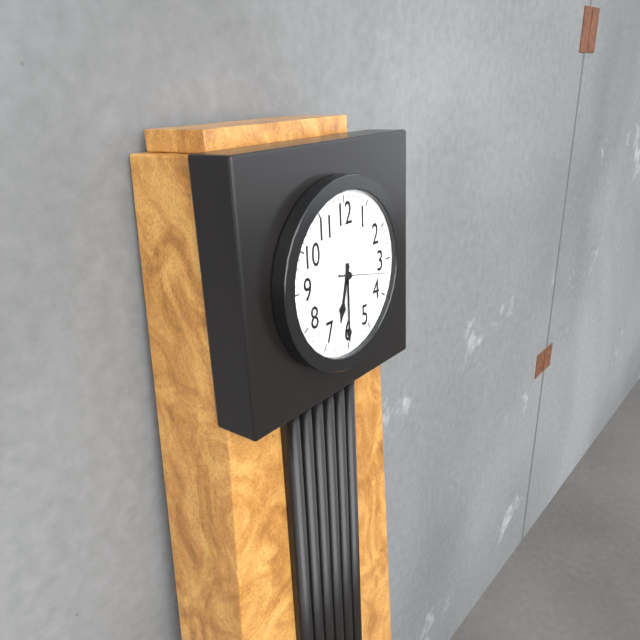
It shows 6:30
